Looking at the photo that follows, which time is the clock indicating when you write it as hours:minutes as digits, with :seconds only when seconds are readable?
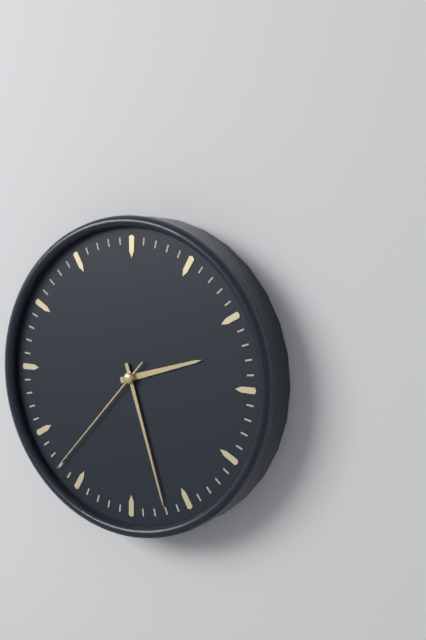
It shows 2:27:37
